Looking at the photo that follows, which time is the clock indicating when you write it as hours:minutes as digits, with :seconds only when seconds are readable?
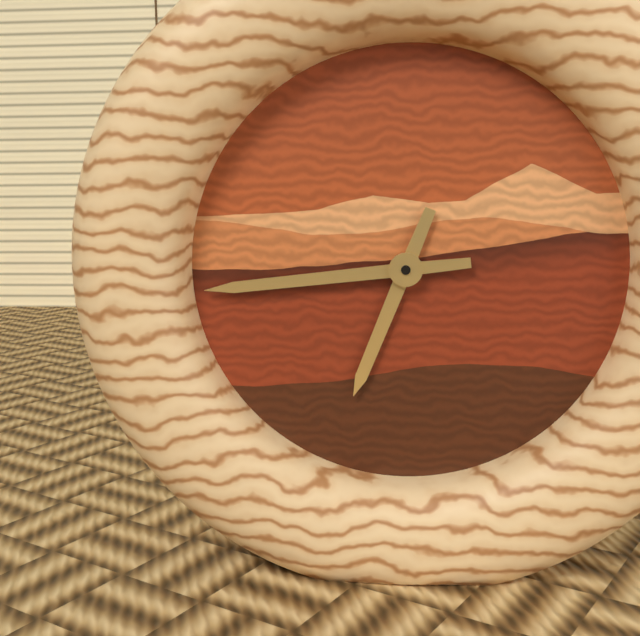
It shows 6:44
